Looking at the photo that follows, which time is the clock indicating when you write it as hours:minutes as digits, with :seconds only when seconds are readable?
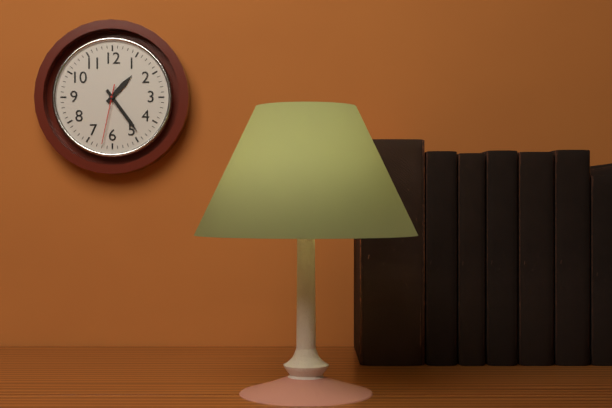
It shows 1:24:32
